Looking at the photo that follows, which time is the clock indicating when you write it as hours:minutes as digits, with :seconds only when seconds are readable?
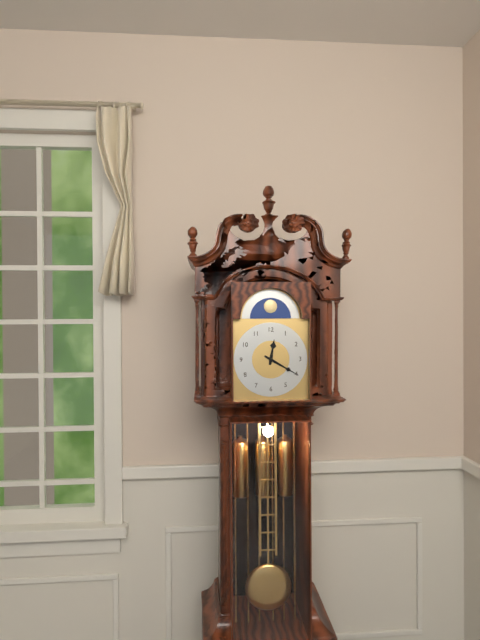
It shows 12:20
